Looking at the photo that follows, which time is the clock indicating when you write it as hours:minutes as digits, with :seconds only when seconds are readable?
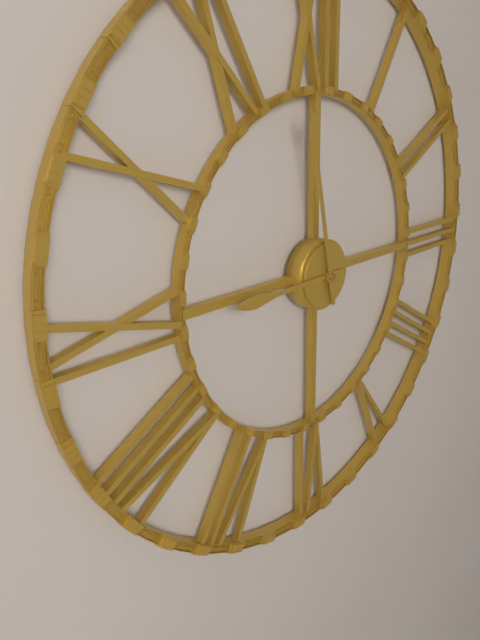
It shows 8:58
